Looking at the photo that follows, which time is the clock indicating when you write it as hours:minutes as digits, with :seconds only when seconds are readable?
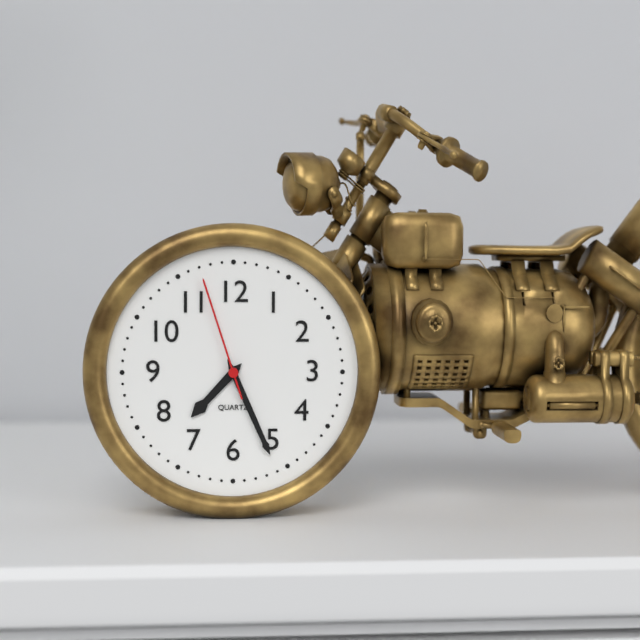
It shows 7:26:57
